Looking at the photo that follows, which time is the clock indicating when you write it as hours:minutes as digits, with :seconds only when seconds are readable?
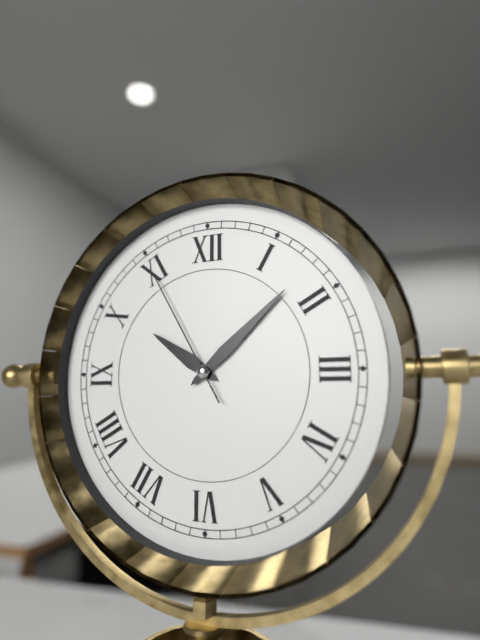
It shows 10:08:55
